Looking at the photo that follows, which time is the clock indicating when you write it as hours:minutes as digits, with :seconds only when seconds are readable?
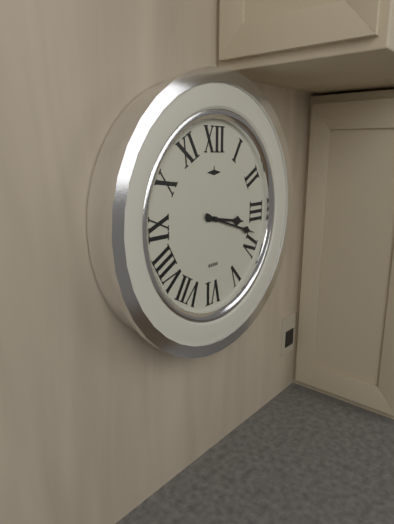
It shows 3:18
